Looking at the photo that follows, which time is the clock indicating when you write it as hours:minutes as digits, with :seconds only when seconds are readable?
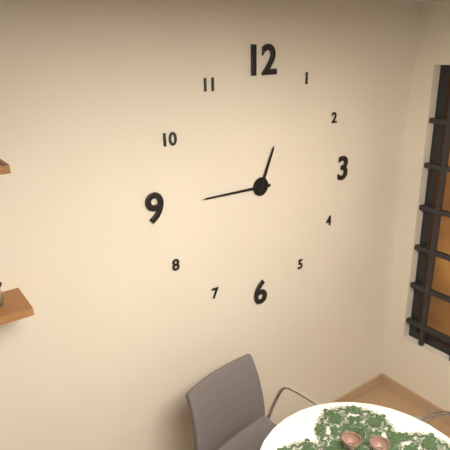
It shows 12:45
